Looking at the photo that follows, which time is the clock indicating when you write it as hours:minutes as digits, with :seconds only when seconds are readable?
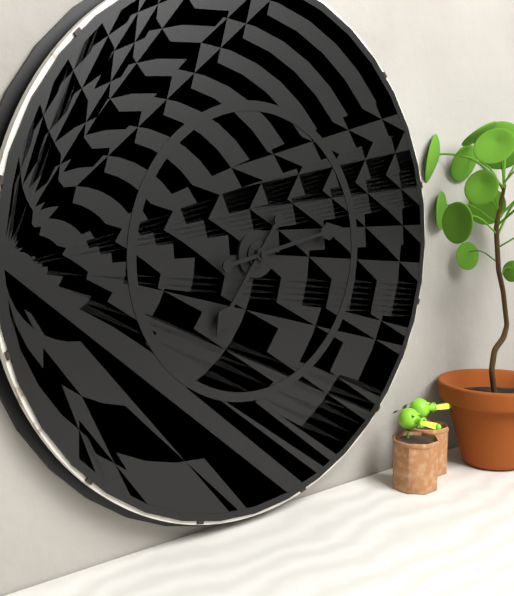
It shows 7:13
